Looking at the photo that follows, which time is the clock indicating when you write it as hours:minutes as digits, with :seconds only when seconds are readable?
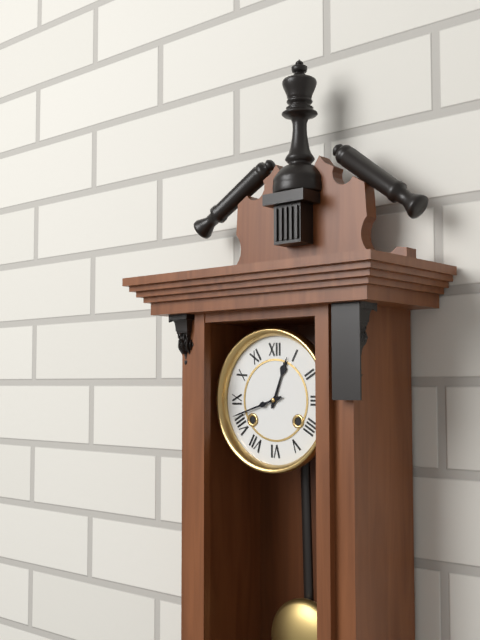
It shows 12:42
